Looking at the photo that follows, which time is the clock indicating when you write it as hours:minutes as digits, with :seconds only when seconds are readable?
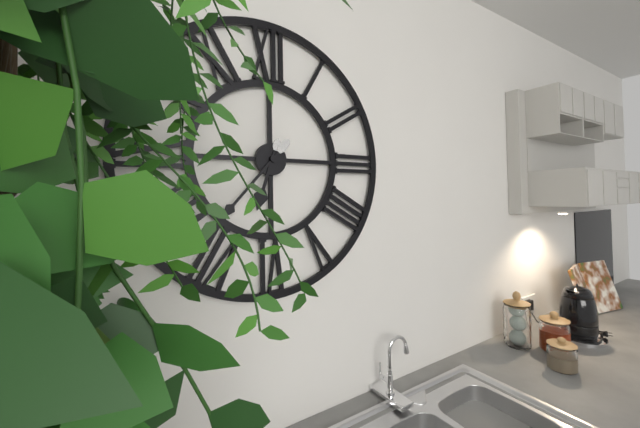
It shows 6:37
